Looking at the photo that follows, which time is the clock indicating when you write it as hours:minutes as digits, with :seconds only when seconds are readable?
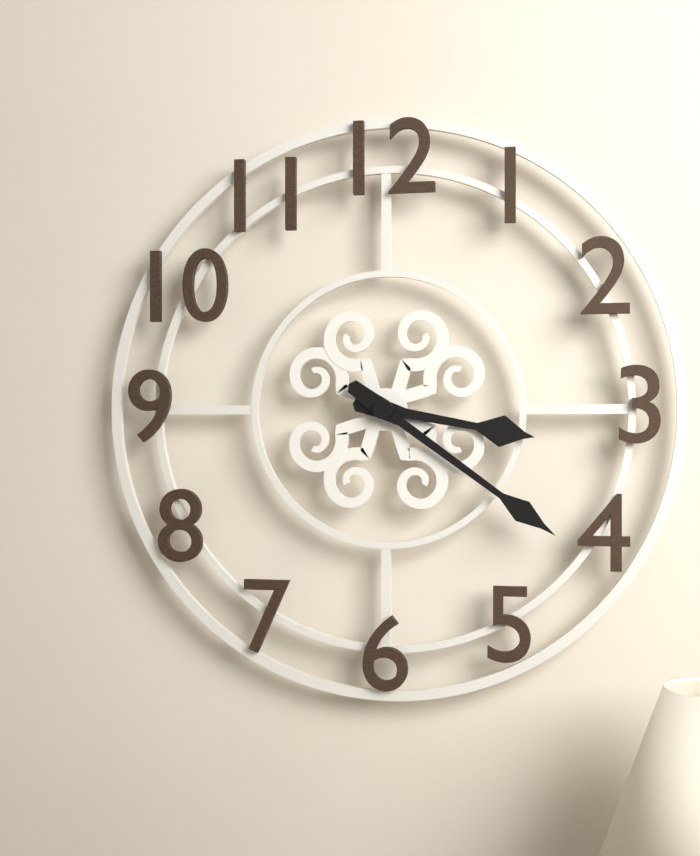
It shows 3:21
